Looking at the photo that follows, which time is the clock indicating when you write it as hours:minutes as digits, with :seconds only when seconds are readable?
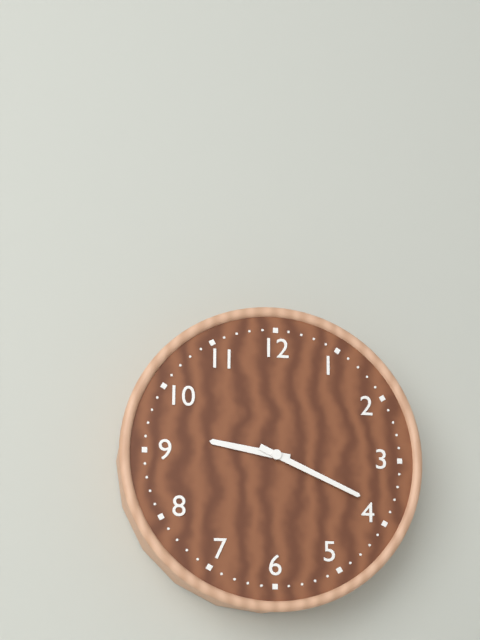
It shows 9:19
